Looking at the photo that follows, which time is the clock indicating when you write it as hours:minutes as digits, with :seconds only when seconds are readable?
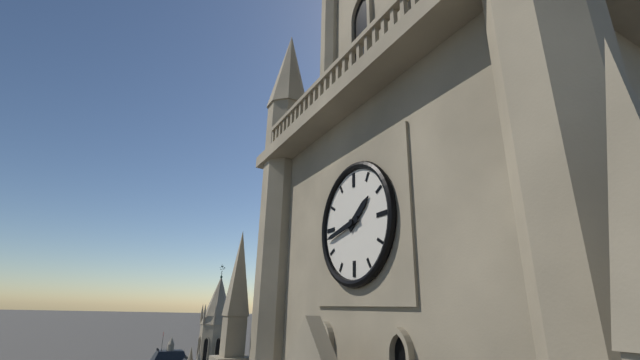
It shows 1:43
